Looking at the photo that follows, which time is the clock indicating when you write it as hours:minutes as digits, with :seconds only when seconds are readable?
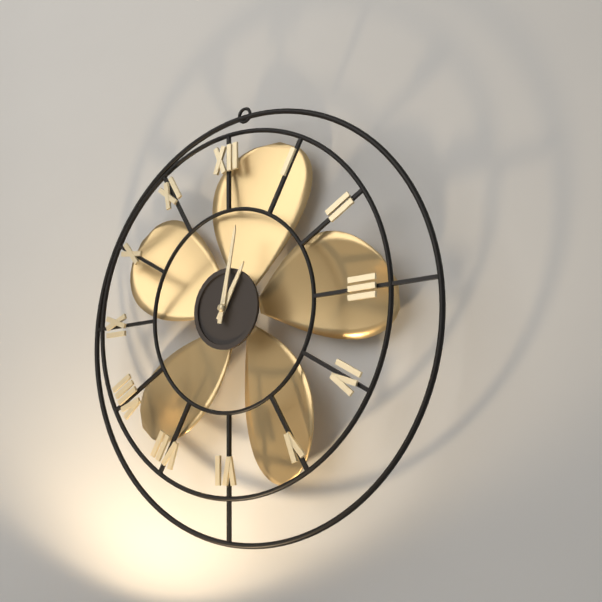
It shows 1:02
